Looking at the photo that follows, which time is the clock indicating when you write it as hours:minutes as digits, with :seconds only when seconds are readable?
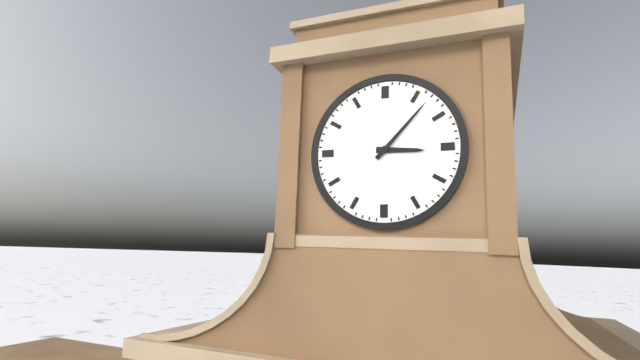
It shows 3:07
